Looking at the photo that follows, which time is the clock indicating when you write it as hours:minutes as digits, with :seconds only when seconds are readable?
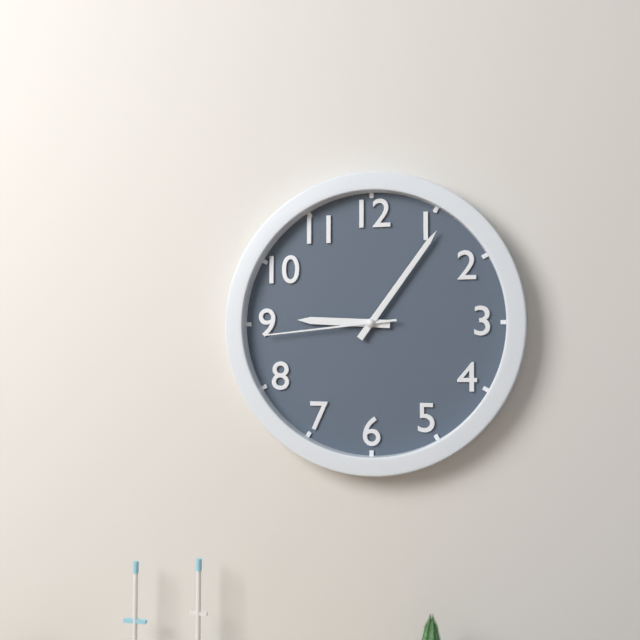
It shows 9:06:44
